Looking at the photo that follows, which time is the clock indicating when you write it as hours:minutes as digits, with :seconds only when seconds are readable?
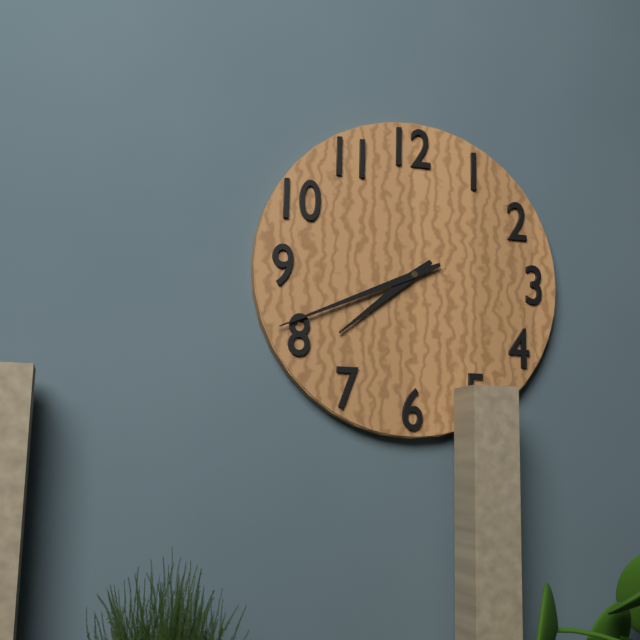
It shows 7:41
